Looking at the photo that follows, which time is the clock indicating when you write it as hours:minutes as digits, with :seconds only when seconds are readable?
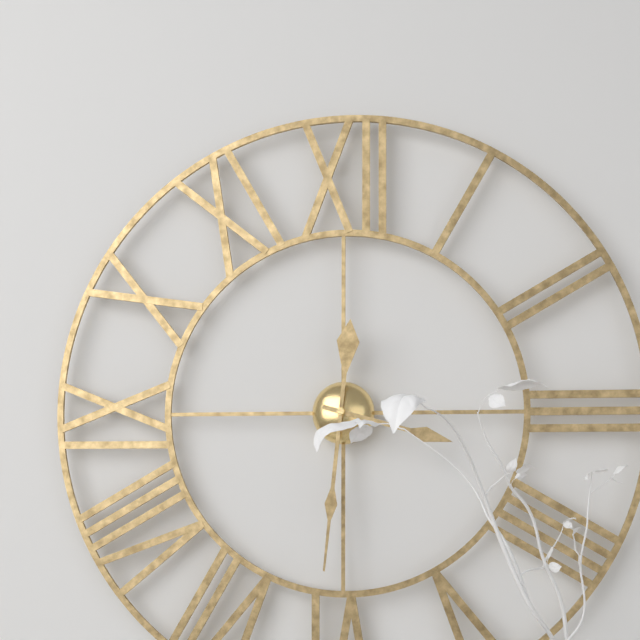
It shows 3:31
